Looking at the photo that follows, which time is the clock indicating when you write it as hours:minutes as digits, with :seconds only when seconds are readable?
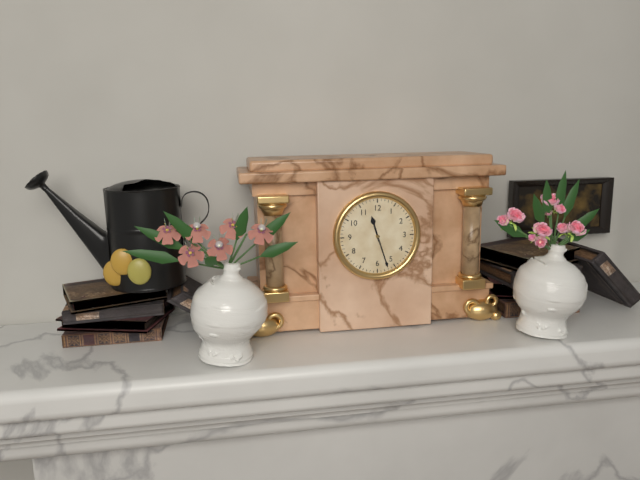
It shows 11:27
